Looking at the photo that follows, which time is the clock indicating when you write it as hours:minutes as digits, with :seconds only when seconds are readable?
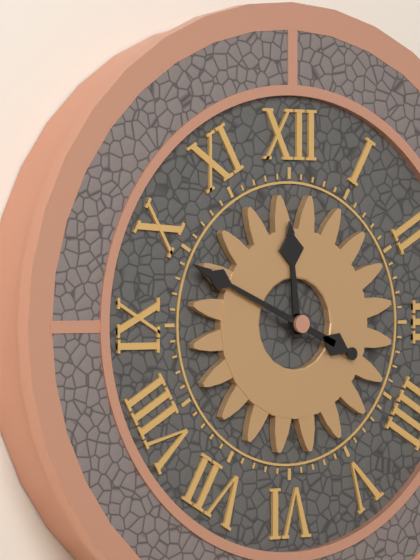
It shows 11:49
